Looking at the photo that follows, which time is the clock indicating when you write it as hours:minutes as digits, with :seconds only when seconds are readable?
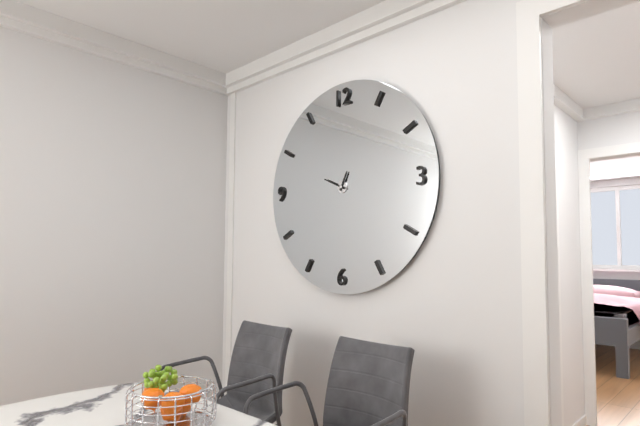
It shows 12:49
